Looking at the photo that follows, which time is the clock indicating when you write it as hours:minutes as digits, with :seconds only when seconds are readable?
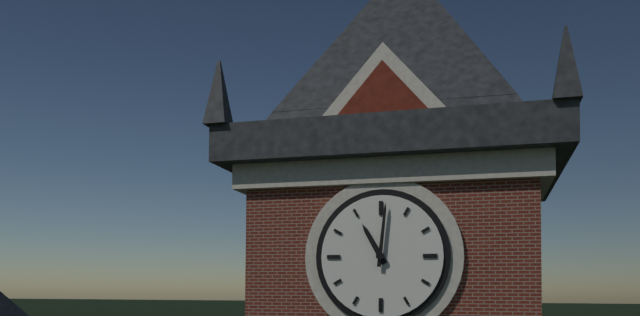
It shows 11:01
